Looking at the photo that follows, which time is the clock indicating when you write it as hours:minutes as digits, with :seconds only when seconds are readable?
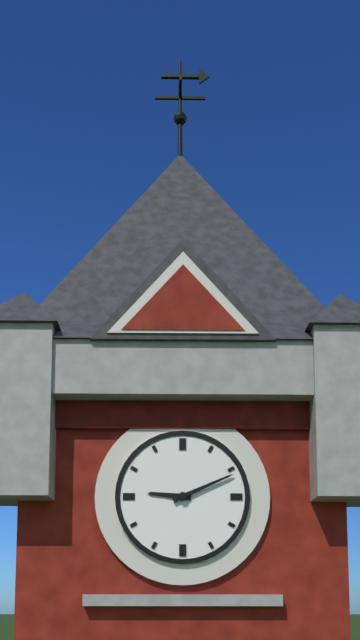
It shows 9:11
